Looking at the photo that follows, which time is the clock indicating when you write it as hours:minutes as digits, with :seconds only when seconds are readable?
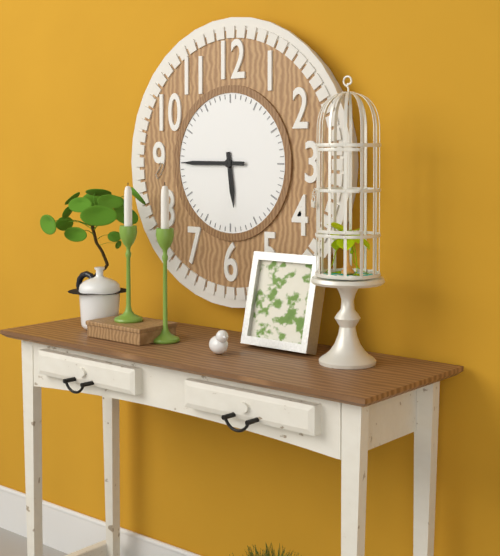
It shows 5:45
